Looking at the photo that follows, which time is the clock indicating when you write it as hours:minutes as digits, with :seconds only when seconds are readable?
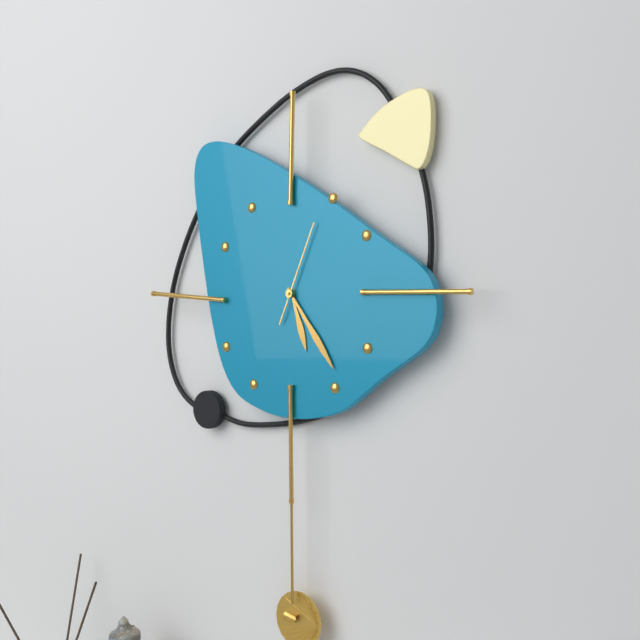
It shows 5:24:04
